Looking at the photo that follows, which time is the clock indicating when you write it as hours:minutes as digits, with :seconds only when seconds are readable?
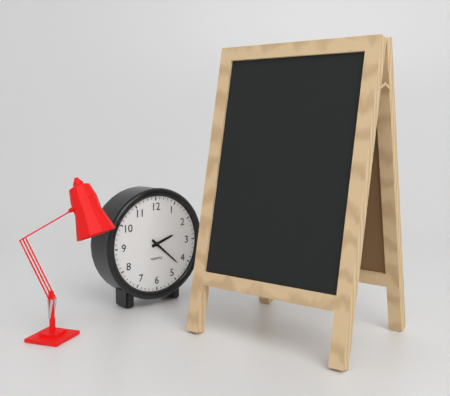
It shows 2:22
